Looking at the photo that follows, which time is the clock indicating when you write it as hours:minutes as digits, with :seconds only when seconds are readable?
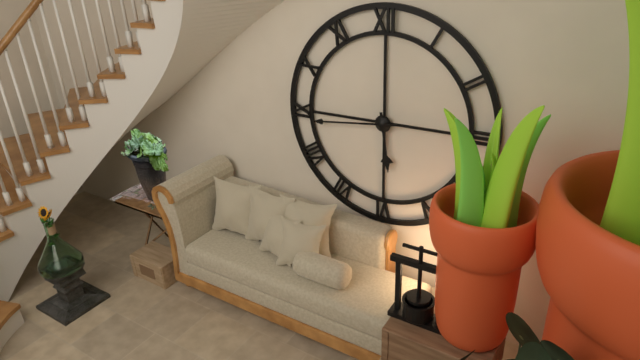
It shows 5:44
